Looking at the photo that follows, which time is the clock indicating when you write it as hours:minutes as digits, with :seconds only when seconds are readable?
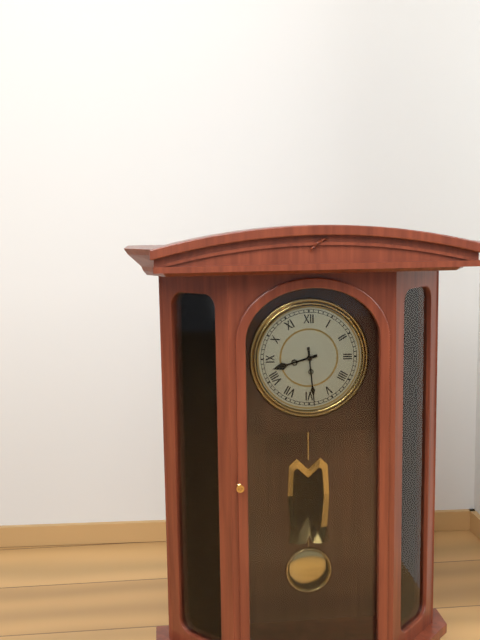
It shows 8:29
